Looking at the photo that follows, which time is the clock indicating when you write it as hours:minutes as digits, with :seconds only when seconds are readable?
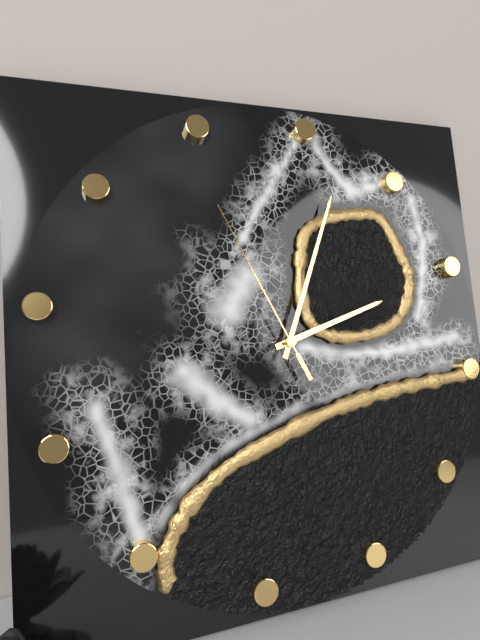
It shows 2:02:54
